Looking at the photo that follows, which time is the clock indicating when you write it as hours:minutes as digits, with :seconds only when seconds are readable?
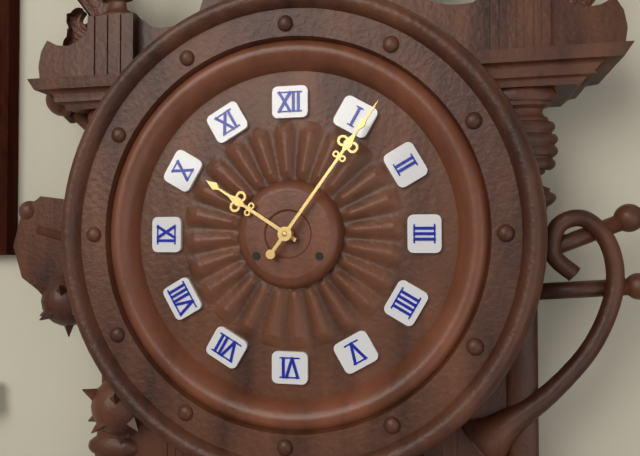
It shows 10:06
